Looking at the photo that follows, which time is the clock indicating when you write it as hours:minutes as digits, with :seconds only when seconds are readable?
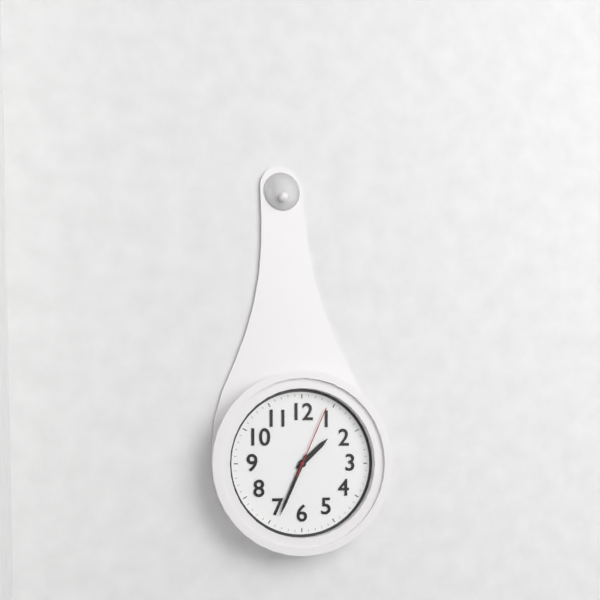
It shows 1:34:04
